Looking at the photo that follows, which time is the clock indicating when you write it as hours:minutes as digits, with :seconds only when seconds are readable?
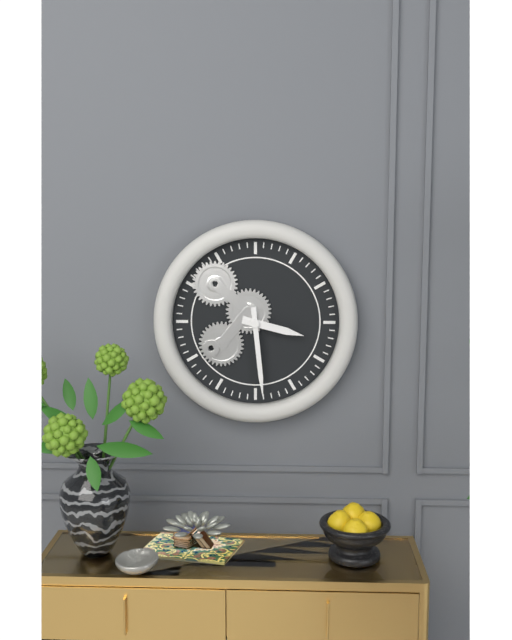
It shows 3:29
